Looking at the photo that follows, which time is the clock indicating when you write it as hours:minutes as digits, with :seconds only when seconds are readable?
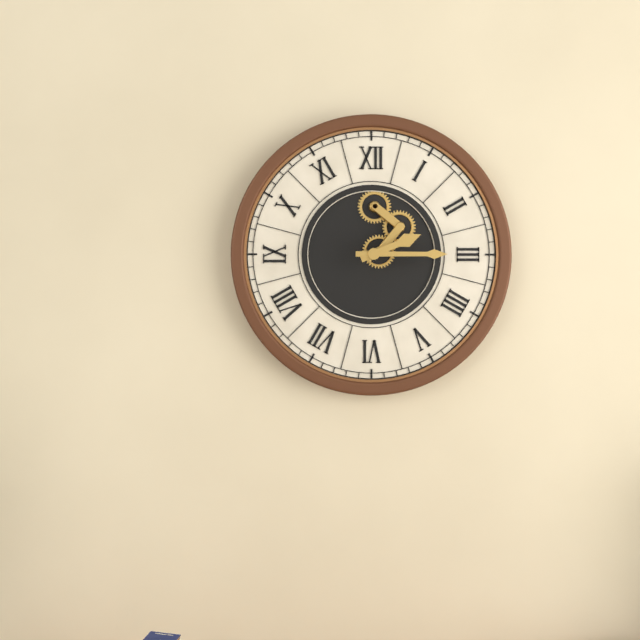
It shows 2:15
